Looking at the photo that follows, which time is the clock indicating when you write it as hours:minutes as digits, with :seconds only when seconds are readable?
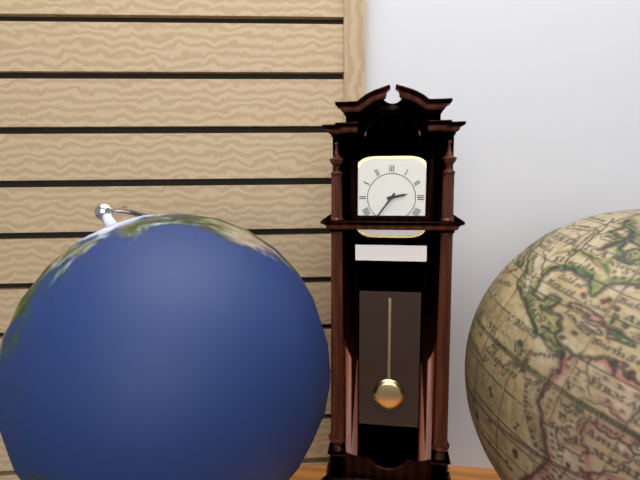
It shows 2:36
